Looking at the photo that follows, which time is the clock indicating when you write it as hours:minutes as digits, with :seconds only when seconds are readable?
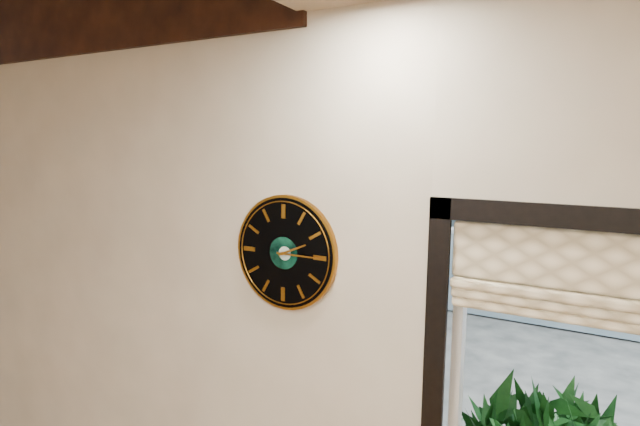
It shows 2:15
